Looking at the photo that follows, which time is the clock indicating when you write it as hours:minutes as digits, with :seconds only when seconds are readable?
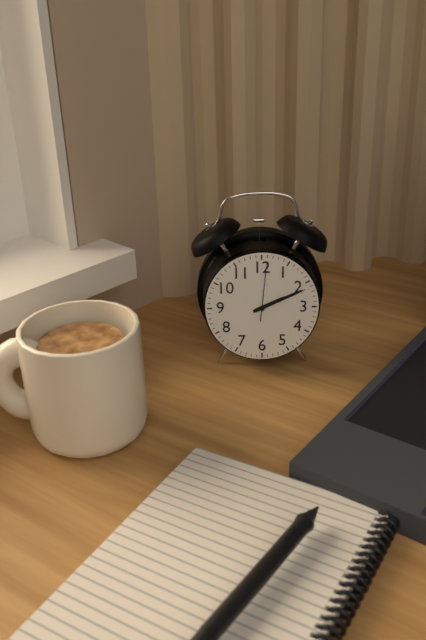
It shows 2:11:01
